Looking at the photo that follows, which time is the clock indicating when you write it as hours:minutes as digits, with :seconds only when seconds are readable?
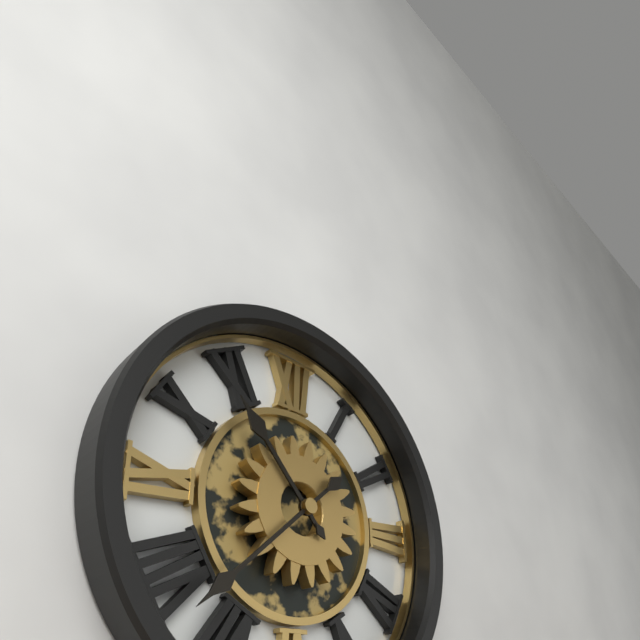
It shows 10:38
